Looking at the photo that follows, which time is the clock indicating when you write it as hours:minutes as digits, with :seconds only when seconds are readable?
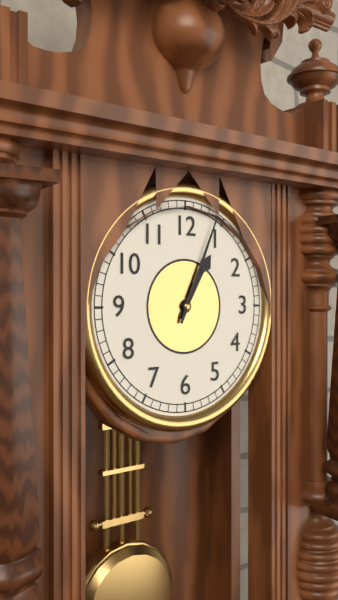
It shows 1:04
